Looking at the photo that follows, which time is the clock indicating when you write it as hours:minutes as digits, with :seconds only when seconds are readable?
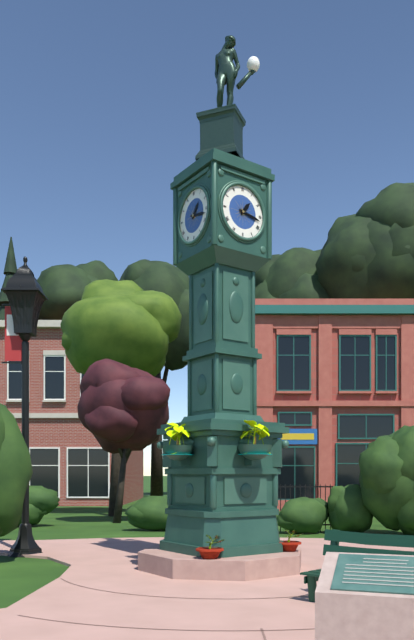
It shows 1:17
